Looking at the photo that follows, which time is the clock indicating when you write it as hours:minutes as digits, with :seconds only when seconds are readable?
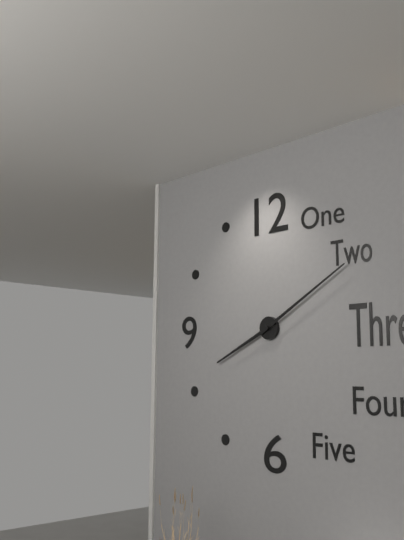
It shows 8:10
